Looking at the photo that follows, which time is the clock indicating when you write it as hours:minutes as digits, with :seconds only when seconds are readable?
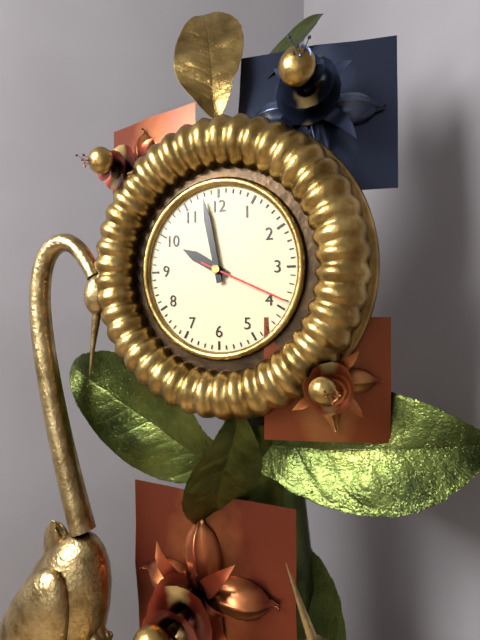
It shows 9:58:19
